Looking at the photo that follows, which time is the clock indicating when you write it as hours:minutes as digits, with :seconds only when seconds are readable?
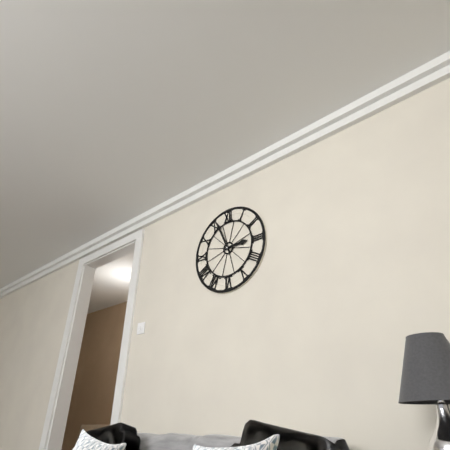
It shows 2:56
